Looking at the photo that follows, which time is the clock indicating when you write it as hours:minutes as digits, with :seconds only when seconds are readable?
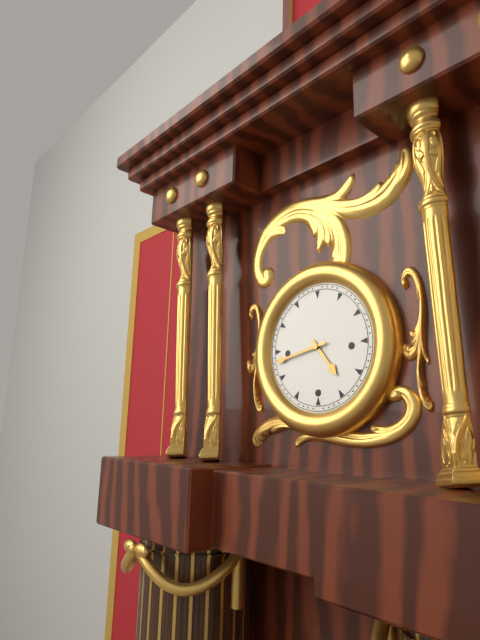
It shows 4:43
